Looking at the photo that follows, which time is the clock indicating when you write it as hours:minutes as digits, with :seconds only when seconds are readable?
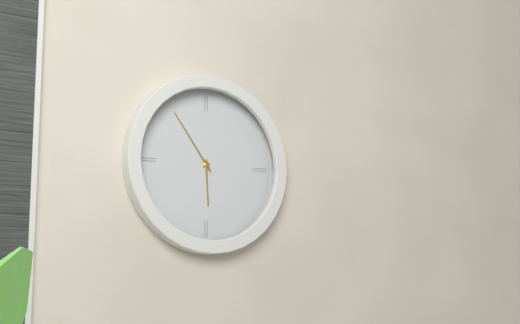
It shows 5:54
